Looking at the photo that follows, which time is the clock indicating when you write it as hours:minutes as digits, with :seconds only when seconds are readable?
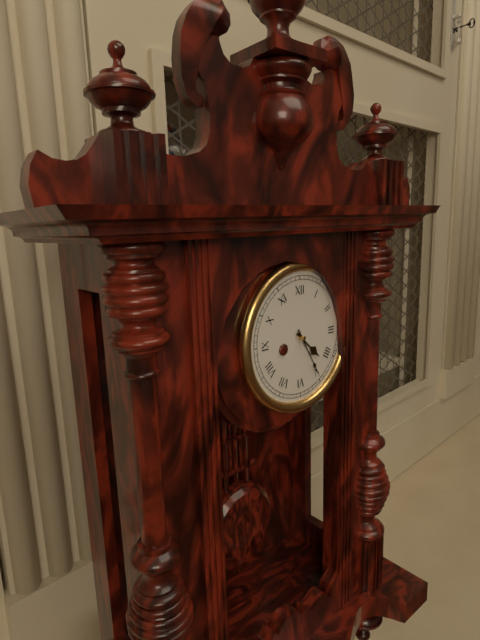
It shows 4:25
